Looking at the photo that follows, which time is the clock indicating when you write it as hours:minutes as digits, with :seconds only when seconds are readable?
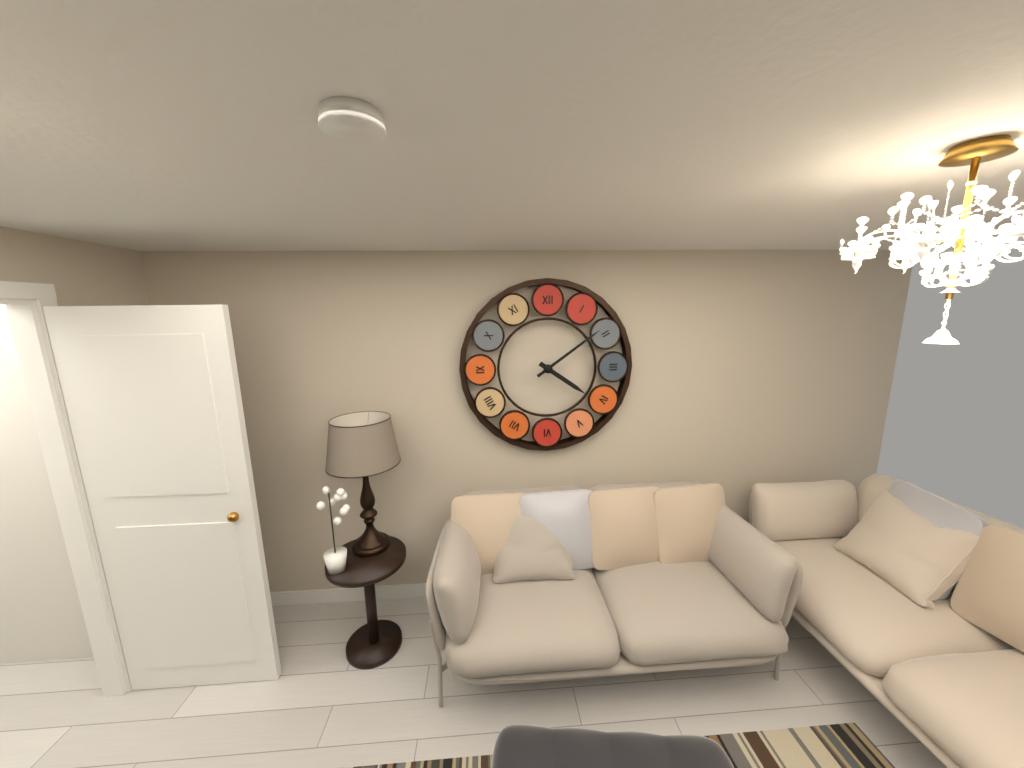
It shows 4:09
